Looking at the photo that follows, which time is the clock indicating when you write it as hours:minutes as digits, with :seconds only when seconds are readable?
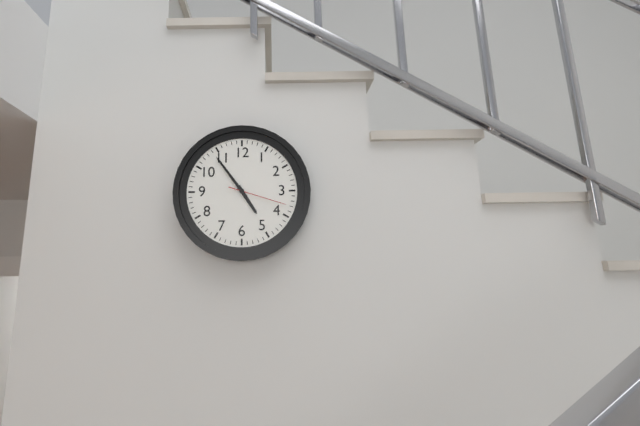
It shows 4:54:18
